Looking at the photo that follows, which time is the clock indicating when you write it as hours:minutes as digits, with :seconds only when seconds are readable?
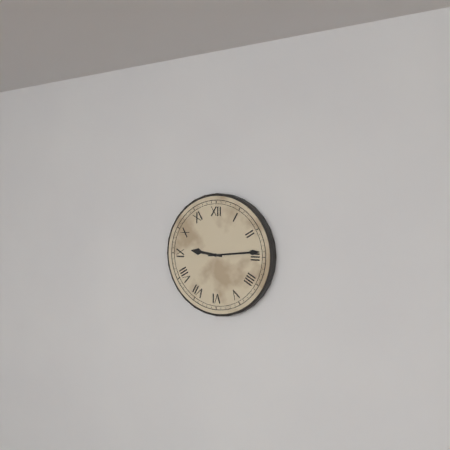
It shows 9:14
